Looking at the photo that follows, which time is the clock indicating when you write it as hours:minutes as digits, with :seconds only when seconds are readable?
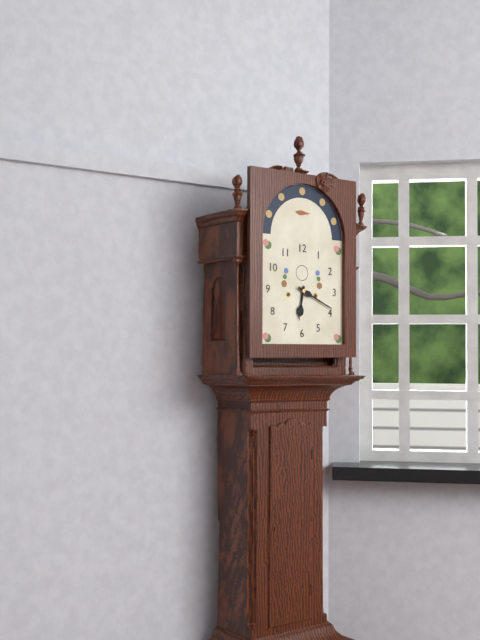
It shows 6:19
